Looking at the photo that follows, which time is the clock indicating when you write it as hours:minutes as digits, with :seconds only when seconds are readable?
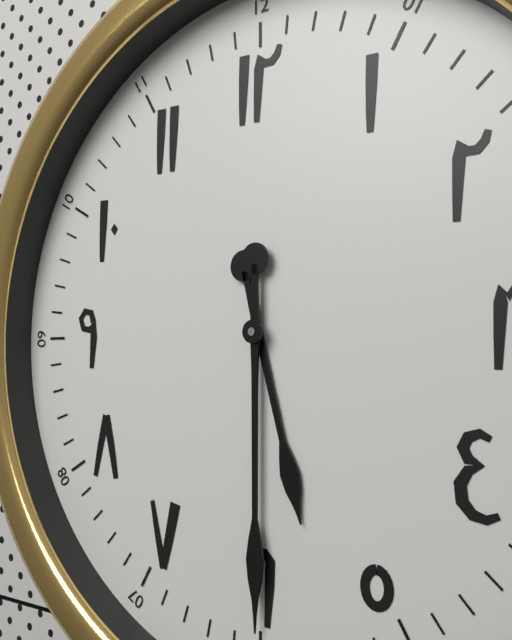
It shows 5:30
